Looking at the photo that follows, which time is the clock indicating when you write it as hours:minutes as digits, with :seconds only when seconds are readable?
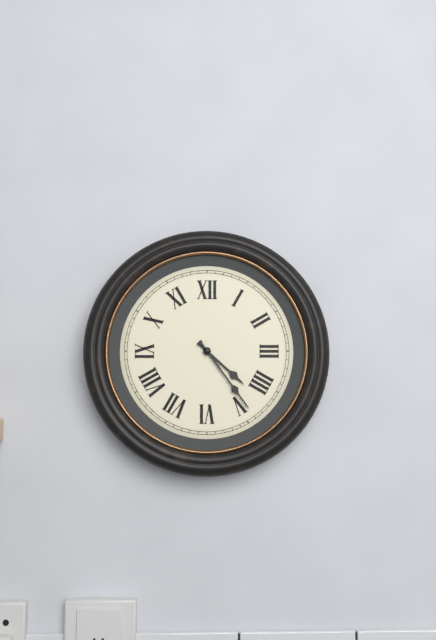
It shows 4:24
